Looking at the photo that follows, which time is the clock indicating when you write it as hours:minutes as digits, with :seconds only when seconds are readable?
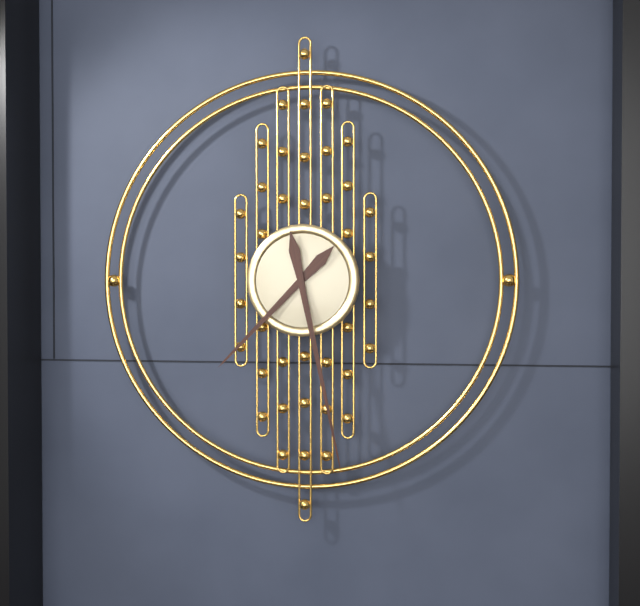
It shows 7:28
